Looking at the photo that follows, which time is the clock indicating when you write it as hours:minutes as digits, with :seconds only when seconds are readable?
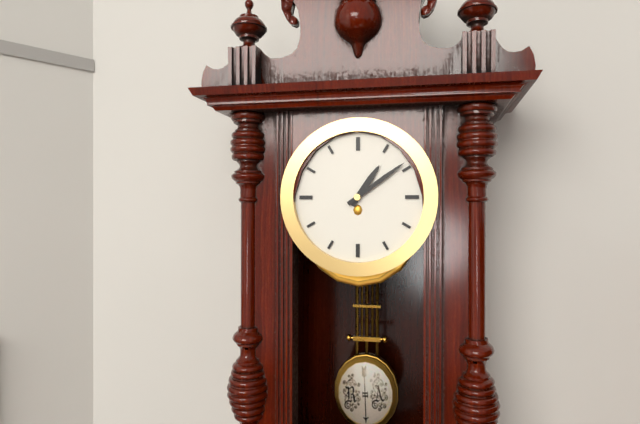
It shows 1:09
